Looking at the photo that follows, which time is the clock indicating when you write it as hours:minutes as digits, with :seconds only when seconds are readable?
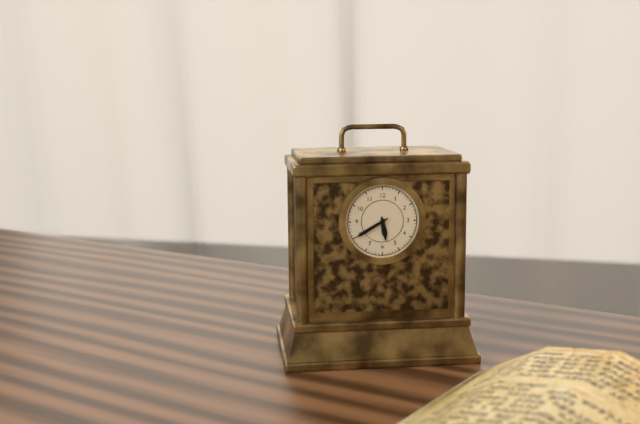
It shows 5:40
